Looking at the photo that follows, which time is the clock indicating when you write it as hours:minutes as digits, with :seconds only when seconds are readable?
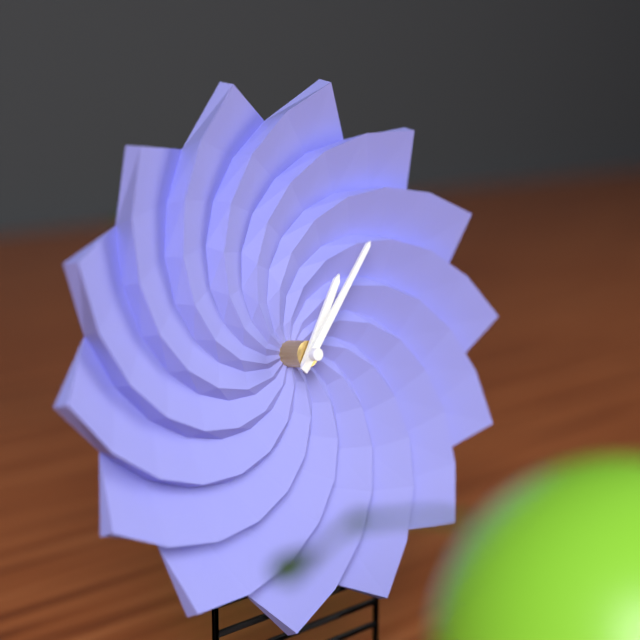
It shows 1:07
